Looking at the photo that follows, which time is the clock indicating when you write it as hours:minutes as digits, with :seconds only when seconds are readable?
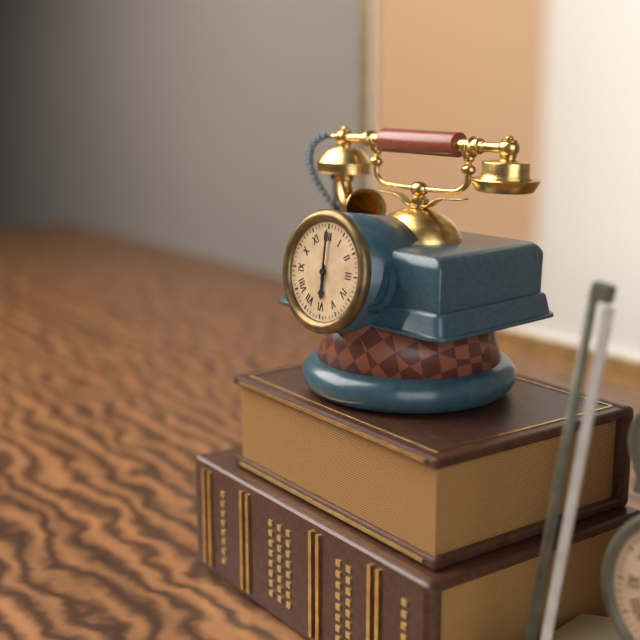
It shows 6:00
